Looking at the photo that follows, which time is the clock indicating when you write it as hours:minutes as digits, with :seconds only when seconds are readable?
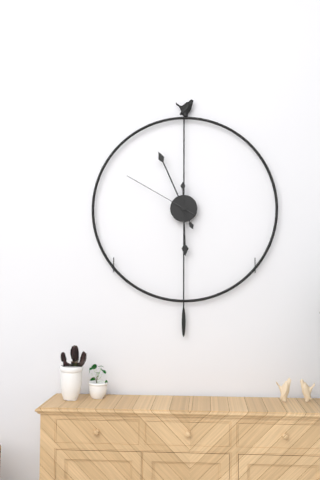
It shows 5:56:50
